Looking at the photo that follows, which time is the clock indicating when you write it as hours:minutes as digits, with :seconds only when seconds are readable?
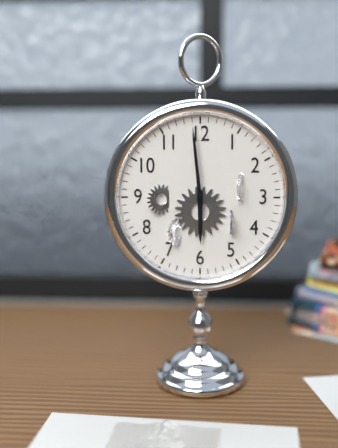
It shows 5:59
